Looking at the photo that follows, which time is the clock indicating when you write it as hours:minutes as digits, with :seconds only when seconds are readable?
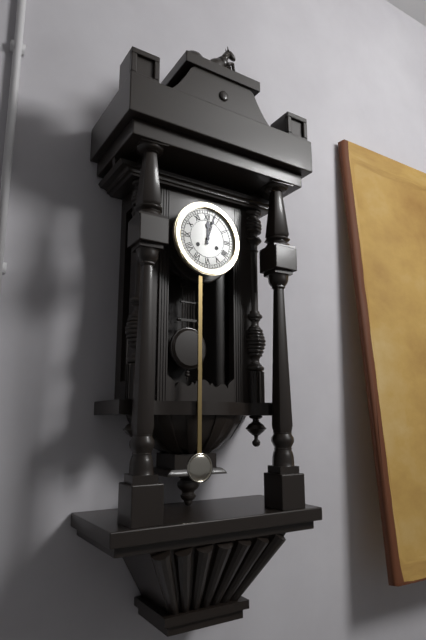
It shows 12:03
